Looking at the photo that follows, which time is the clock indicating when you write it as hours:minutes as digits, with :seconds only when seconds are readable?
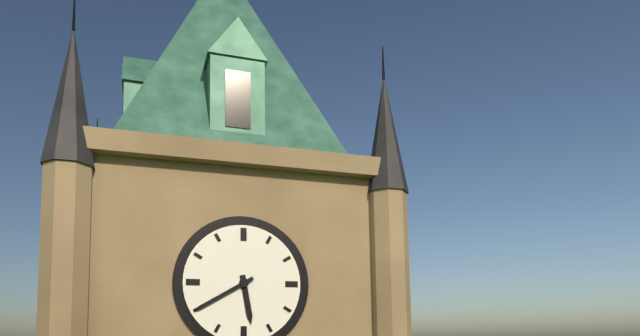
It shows 5:40
